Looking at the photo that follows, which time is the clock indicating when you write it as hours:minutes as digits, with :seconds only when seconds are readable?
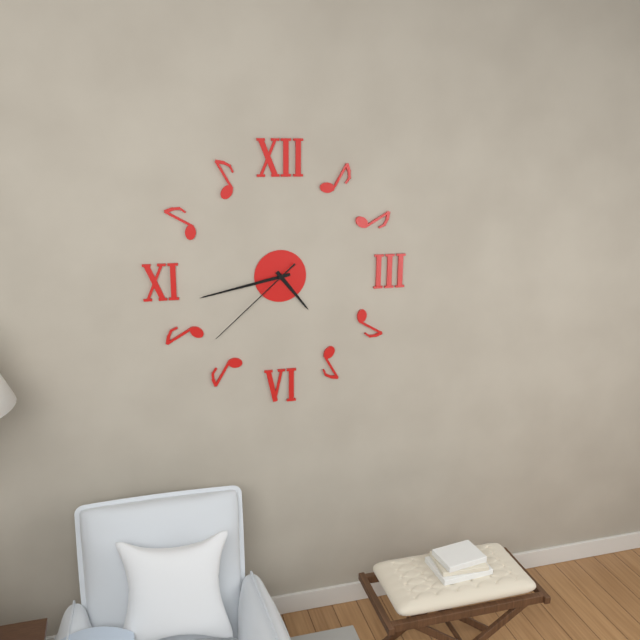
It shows 4:43:38
